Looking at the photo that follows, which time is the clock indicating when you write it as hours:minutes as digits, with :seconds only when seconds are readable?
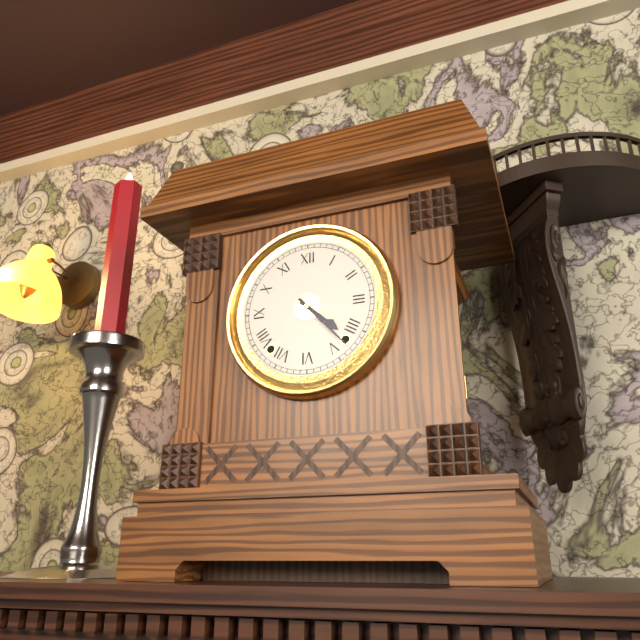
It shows 4:23
